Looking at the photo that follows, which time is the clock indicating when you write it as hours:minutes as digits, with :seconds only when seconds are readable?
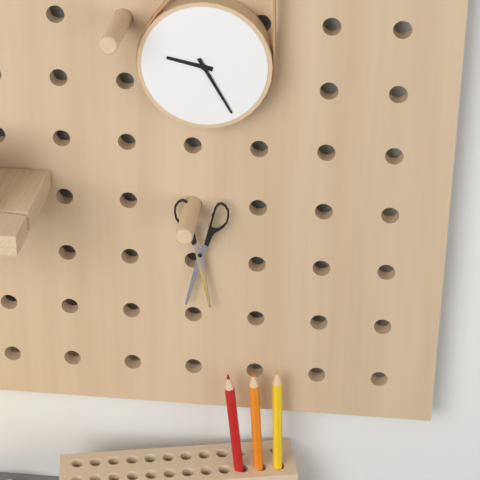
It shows 9:25
